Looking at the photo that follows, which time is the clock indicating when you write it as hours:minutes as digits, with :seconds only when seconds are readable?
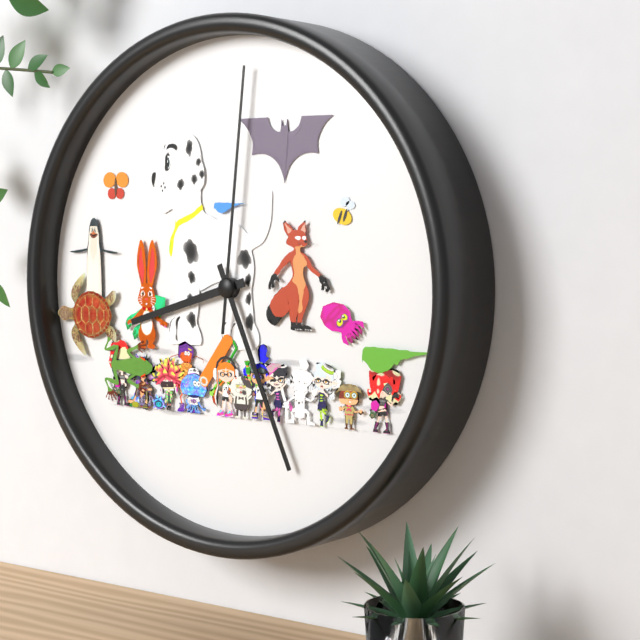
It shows 8:26:01
